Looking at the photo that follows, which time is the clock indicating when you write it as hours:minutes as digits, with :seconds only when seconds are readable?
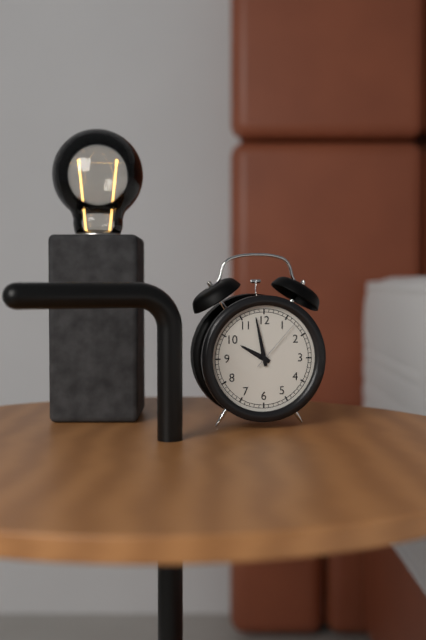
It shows 9:58:07
